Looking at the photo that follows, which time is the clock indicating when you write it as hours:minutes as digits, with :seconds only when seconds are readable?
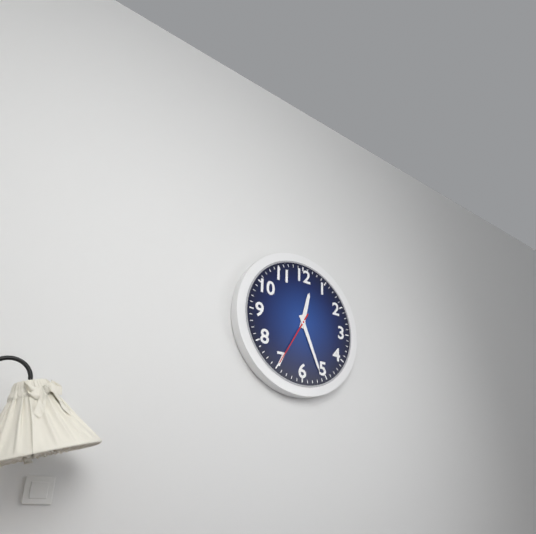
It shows 12:26:35
